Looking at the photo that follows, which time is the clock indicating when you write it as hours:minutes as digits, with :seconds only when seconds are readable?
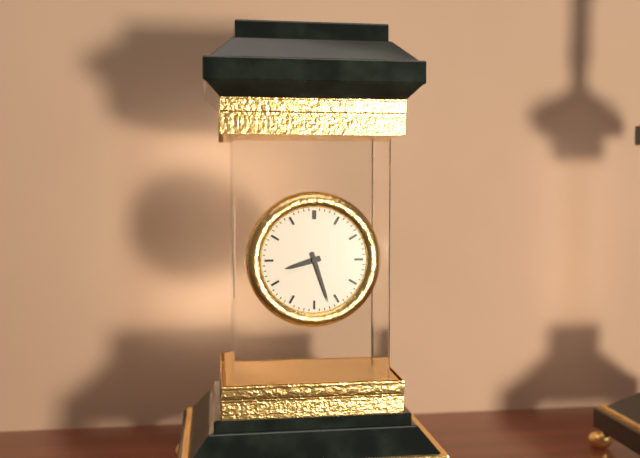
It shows 8:27
